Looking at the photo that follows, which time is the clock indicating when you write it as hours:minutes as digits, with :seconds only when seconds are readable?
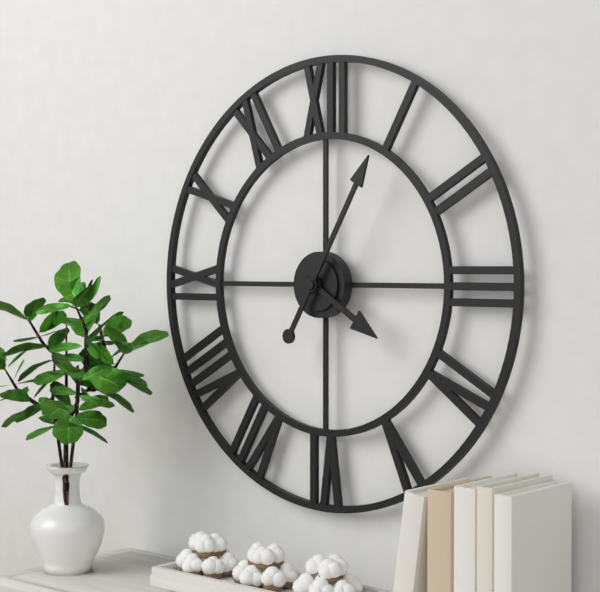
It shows 4:05
